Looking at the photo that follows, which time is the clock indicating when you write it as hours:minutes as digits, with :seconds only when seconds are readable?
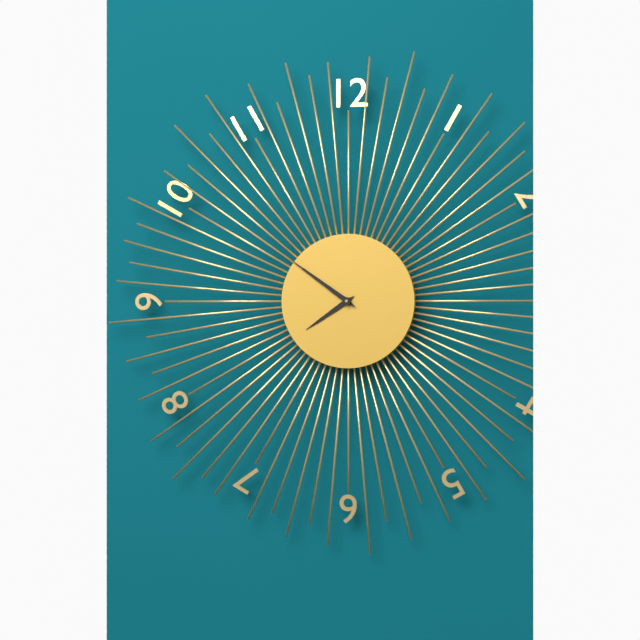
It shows 7:51
